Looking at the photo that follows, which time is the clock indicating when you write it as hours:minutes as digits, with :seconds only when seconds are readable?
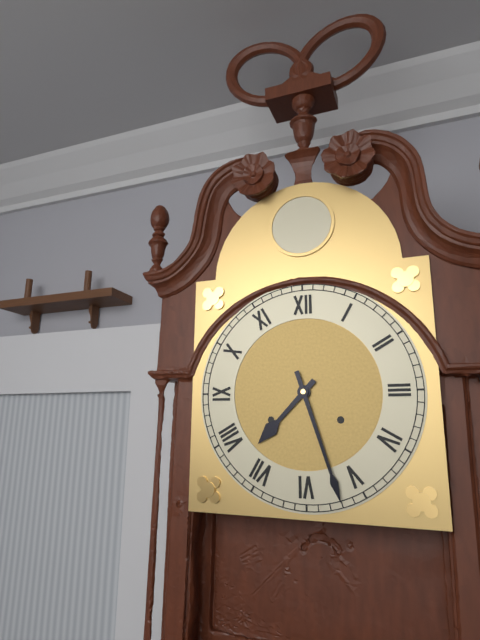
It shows 7:27
